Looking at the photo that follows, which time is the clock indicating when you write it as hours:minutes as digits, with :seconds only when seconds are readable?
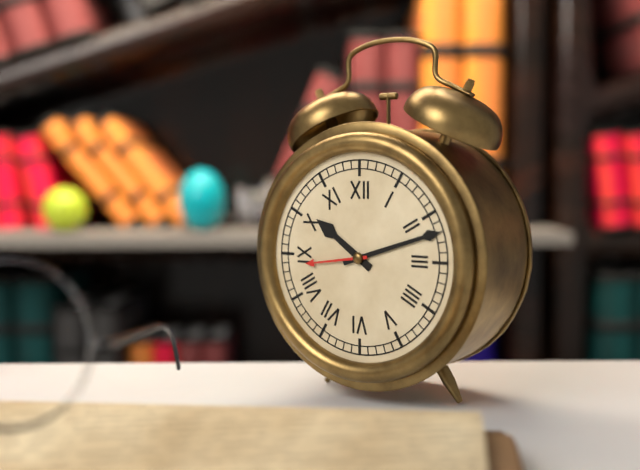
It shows 10:12
